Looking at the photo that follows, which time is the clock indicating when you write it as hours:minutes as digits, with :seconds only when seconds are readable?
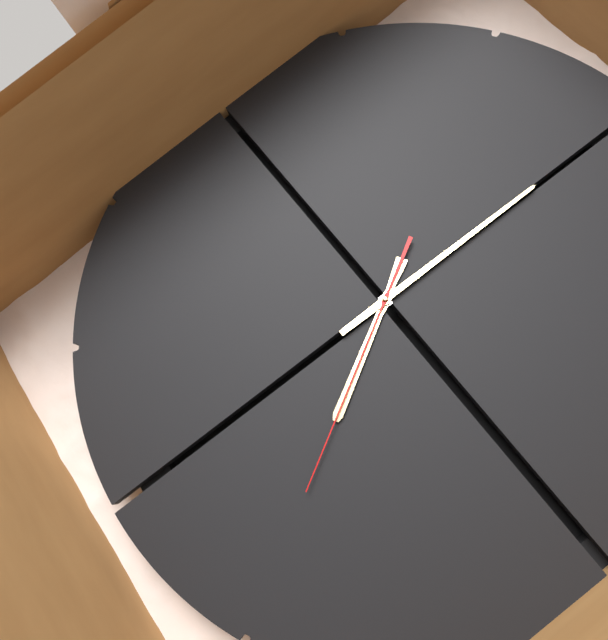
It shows 5:00:25
